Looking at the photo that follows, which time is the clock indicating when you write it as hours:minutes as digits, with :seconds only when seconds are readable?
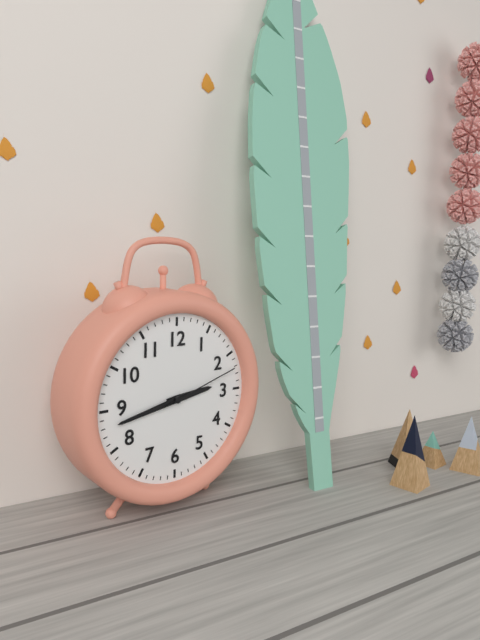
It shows 2:43:12
